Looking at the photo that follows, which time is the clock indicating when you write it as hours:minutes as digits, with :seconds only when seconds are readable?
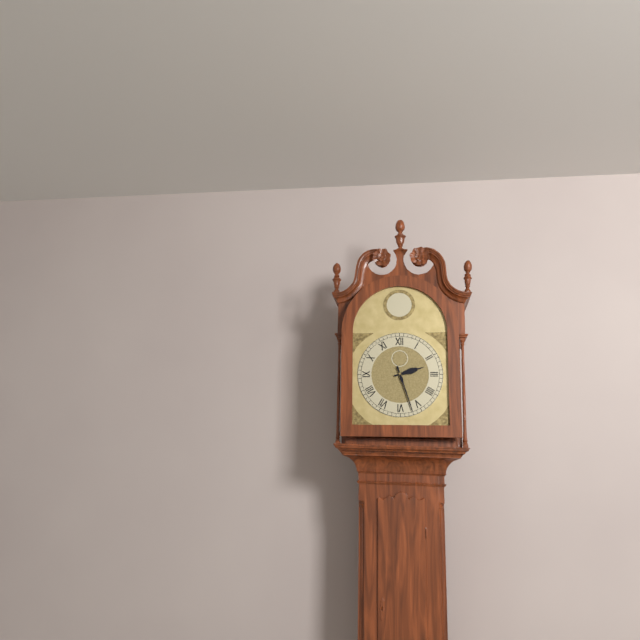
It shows 2:27
